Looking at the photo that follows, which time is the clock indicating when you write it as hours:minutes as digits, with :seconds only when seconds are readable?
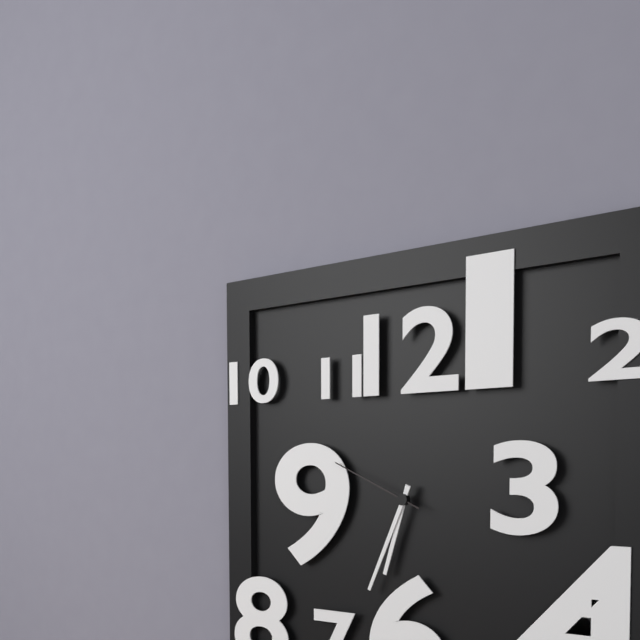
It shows 6:34:49
